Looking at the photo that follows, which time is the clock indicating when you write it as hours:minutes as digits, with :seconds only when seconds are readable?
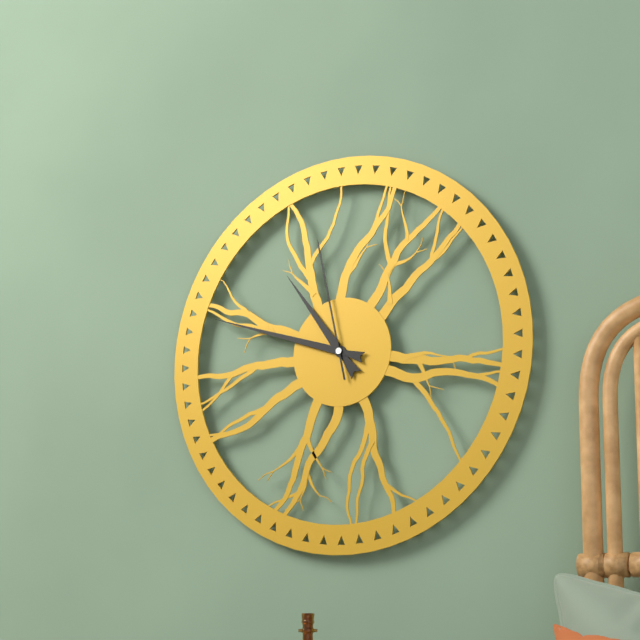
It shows 10:48:58
